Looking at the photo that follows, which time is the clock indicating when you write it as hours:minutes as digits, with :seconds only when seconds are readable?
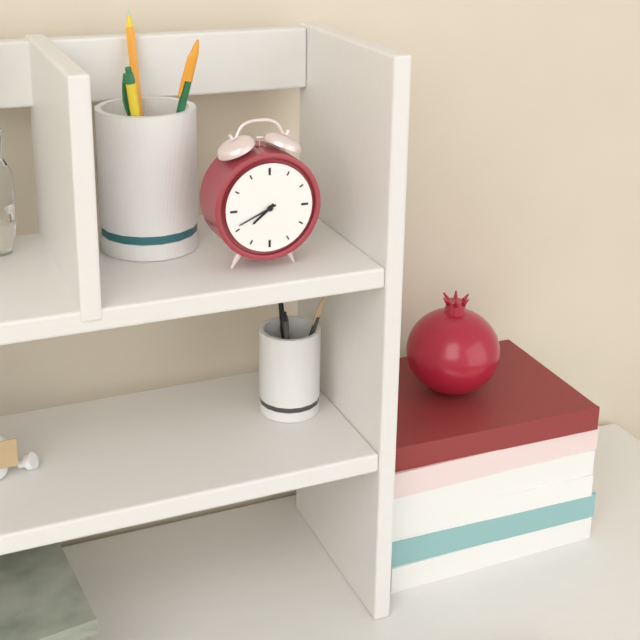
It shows 7:41
